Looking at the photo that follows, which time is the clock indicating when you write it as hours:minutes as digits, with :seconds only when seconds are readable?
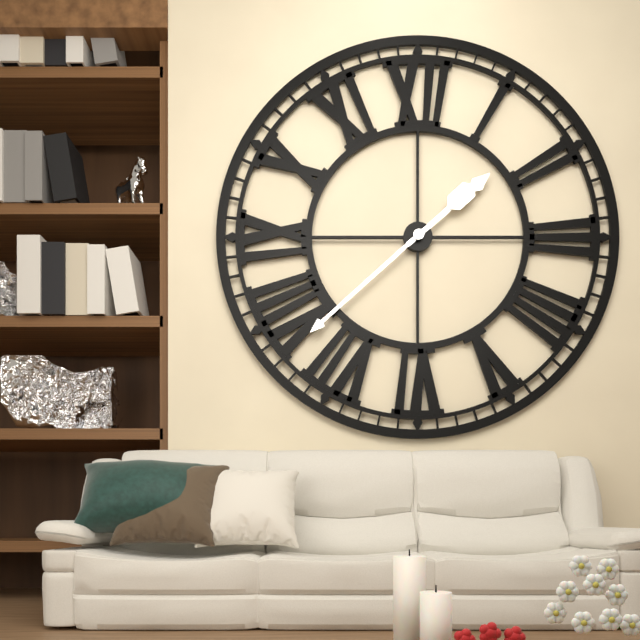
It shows 1:38
